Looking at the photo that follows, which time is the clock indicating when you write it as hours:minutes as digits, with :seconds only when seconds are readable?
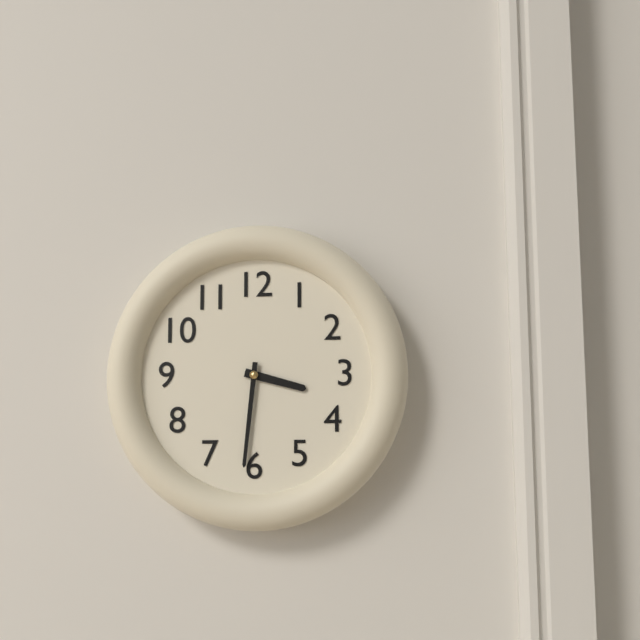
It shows 3:31
